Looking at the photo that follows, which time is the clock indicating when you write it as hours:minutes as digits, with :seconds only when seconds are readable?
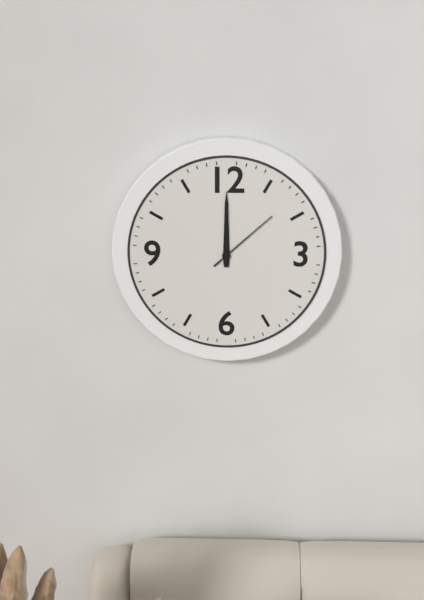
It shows 12:00:08
